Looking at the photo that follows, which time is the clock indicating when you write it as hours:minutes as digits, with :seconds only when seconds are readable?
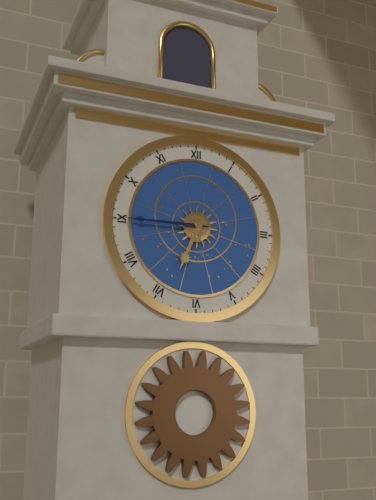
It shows 6:45
